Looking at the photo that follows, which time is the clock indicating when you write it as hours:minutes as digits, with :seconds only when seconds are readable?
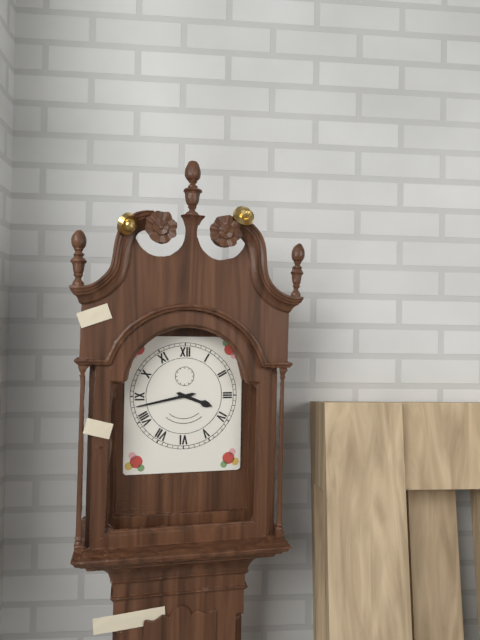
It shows 3:43
